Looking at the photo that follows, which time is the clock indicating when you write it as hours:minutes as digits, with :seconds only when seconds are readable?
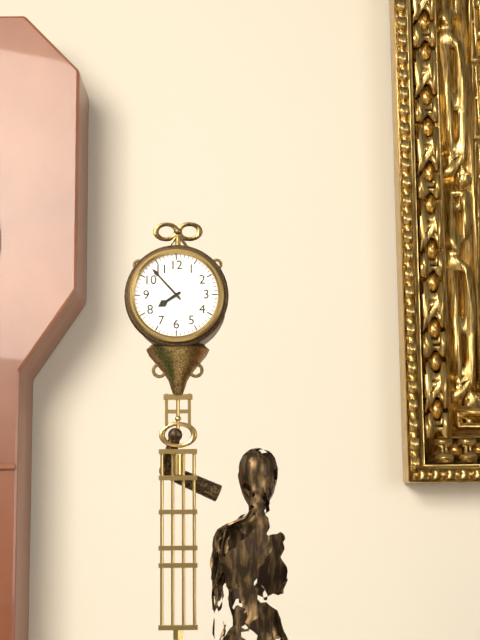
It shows 7:53
